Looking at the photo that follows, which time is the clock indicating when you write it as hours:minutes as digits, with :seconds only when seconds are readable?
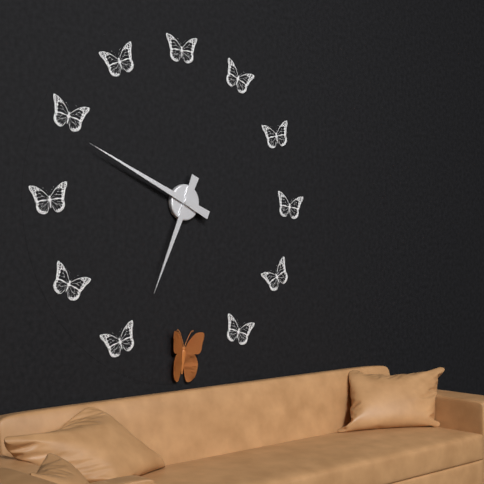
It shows 6:49
